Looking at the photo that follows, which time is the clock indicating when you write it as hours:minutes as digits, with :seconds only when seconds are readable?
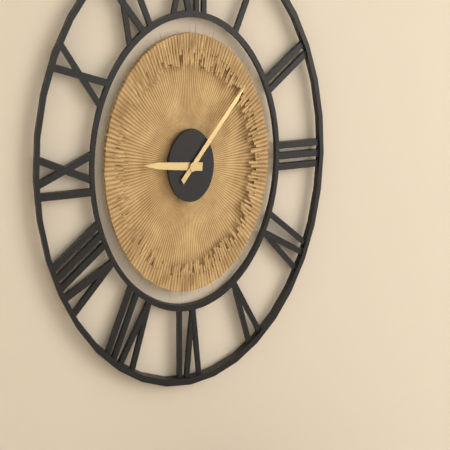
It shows 9:08
